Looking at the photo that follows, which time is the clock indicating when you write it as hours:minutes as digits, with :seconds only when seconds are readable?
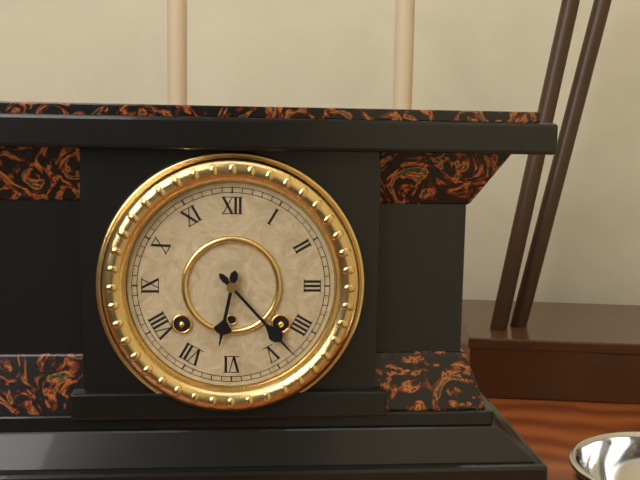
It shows 6:23
